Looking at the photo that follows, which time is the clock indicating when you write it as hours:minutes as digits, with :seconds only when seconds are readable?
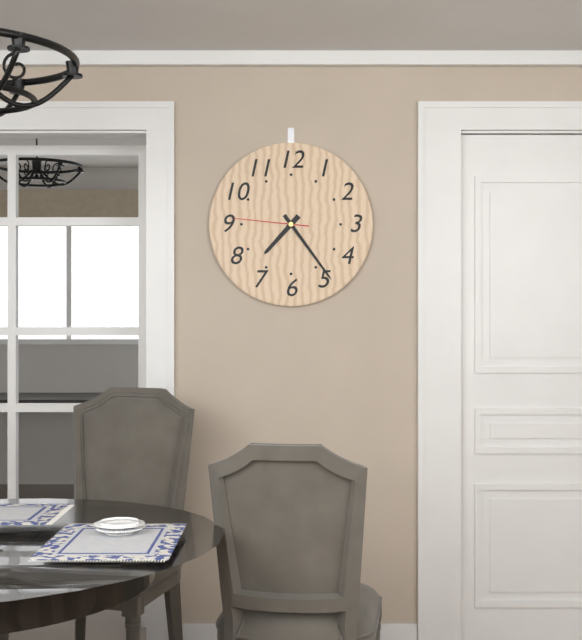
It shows 7:24:46
